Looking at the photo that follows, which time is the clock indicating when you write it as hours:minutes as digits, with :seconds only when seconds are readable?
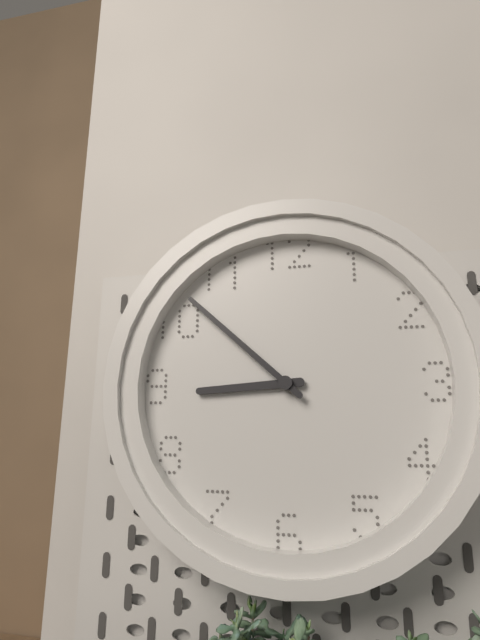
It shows 8:52
